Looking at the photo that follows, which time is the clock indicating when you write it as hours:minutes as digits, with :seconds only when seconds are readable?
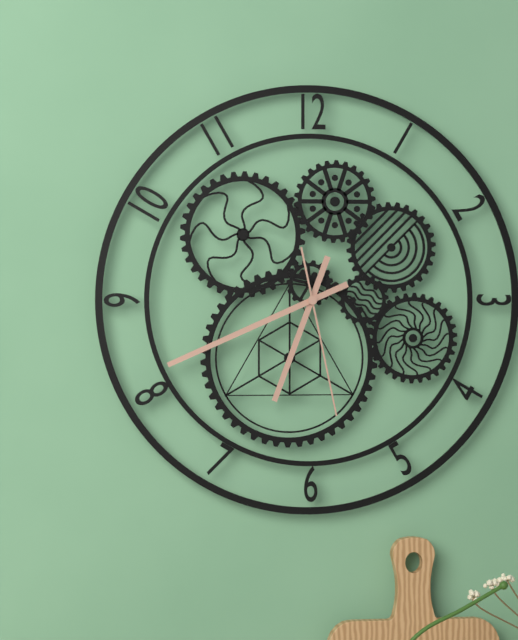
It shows 6:41:28
